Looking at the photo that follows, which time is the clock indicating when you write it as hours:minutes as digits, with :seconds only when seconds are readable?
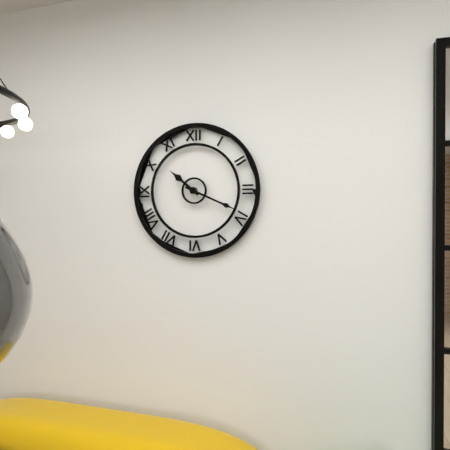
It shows 10:19
